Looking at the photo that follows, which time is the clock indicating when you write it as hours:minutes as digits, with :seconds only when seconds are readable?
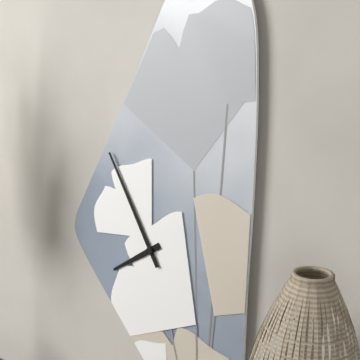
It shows 7:55
